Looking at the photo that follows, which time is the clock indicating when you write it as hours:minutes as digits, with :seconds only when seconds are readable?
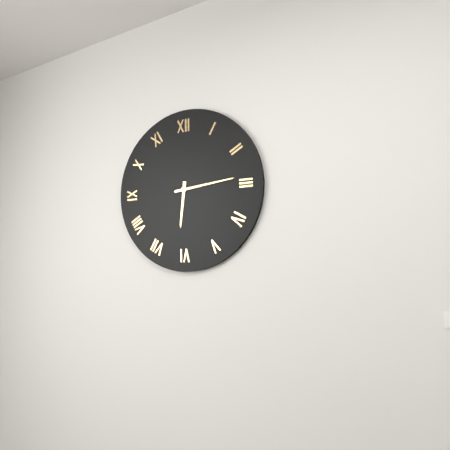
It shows 6:14
